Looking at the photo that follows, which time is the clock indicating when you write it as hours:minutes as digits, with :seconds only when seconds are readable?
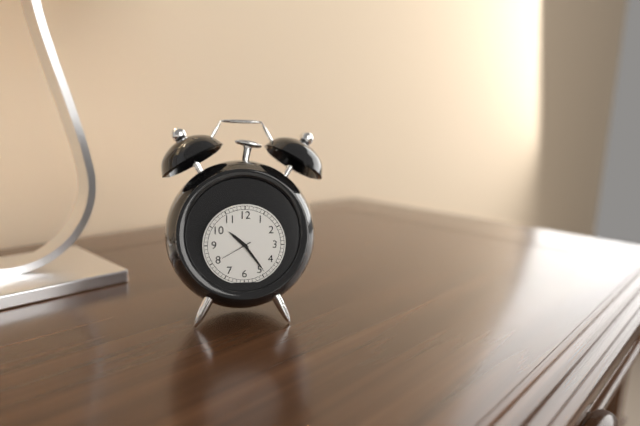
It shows 10:24
